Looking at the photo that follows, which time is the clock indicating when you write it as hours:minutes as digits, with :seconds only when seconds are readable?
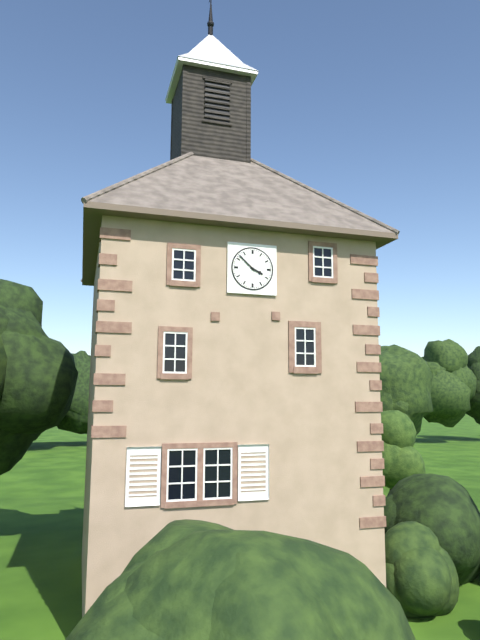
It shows 3:52
